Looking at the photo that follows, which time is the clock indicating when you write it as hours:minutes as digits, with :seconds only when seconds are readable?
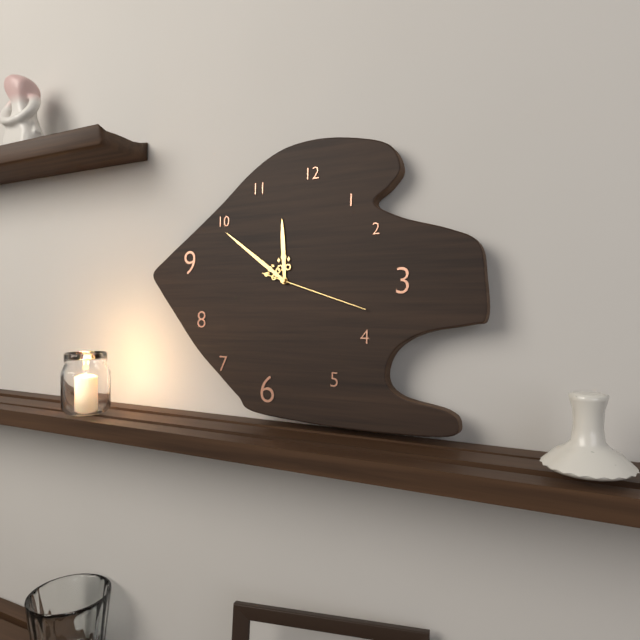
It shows 11:51:18
